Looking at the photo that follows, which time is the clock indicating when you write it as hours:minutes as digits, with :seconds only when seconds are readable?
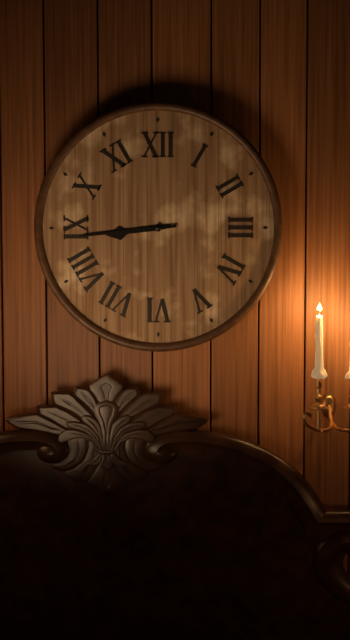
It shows 8:44
